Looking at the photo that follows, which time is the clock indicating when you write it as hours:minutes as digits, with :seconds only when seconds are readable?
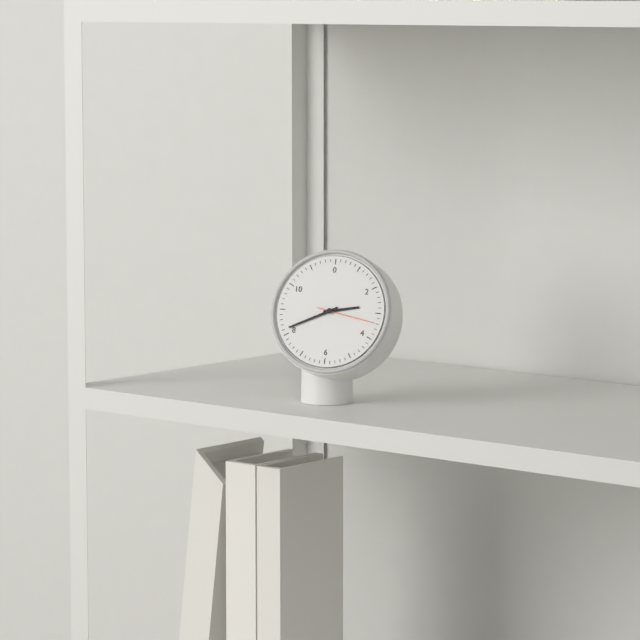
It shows 2:41:17
